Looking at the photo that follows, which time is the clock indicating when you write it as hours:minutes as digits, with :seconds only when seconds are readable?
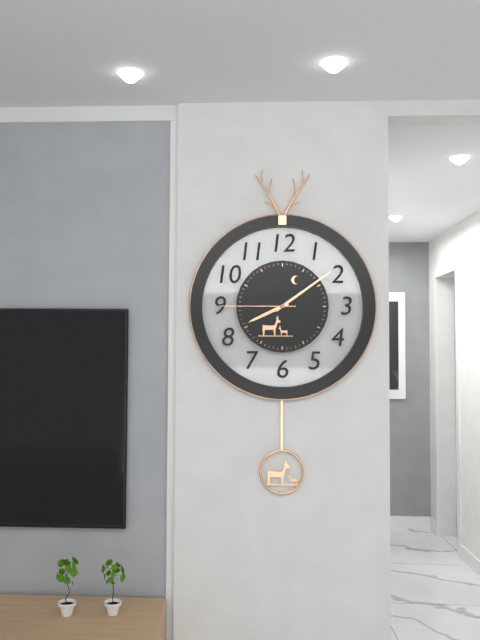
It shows 8:09:45
